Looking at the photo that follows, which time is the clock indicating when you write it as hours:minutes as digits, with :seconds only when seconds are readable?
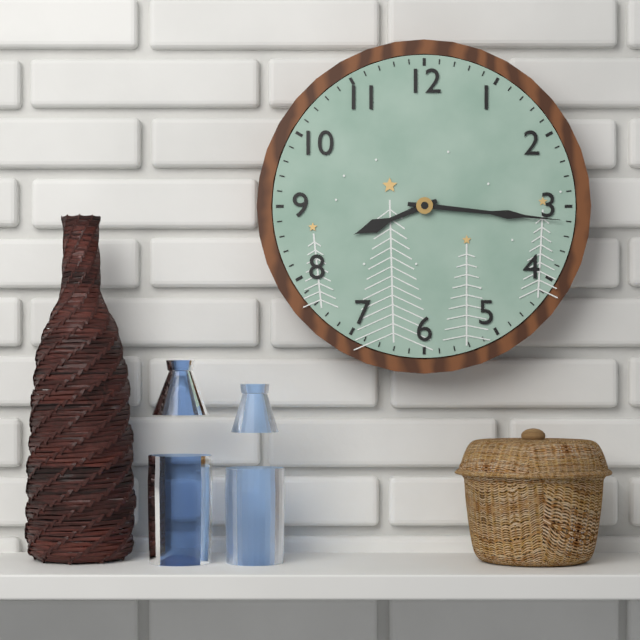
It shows 8:16
